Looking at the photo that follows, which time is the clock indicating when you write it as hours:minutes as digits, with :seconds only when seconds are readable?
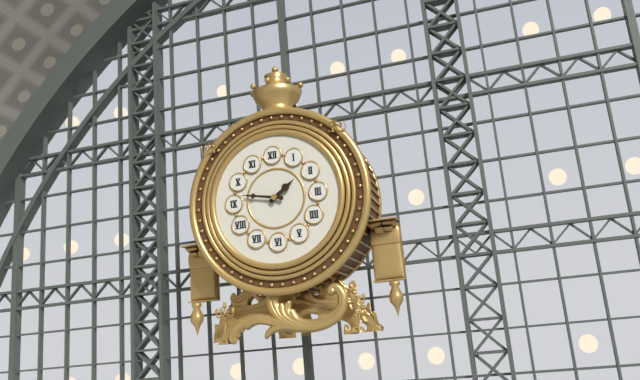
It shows 1:47
